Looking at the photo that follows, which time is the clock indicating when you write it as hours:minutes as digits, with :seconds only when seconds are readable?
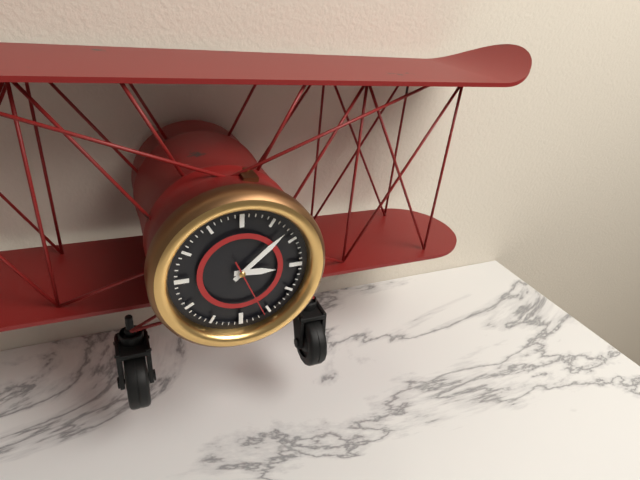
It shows 3:08:26
